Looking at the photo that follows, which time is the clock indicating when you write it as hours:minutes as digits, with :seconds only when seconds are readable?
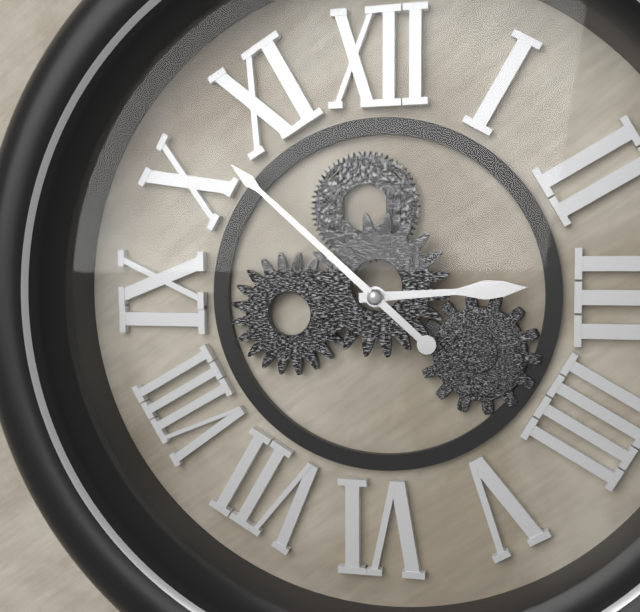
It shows 2:52
